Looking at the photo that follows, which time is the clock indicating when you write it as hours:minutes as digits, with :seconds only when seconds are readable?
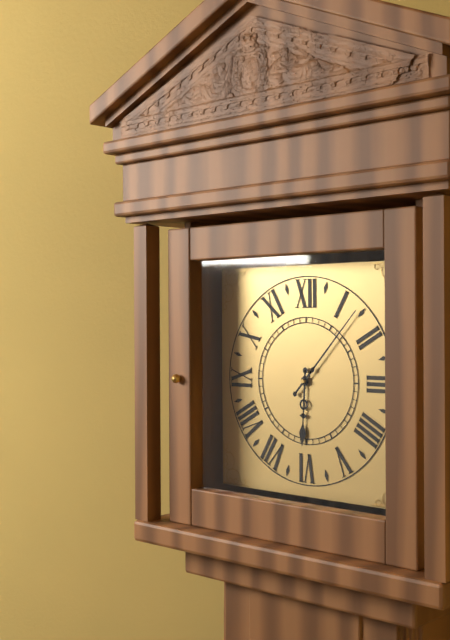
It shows 6:07
